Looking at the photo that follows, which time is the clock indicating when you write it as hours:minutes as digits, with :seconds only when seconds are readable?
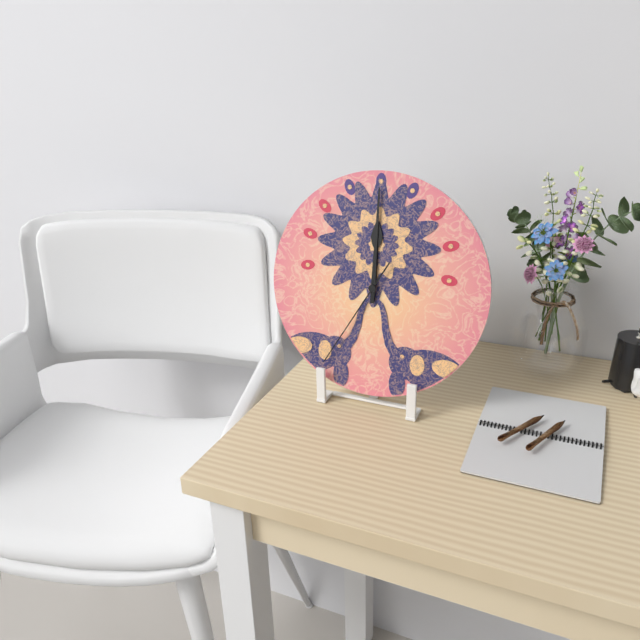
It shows 12:00:35
